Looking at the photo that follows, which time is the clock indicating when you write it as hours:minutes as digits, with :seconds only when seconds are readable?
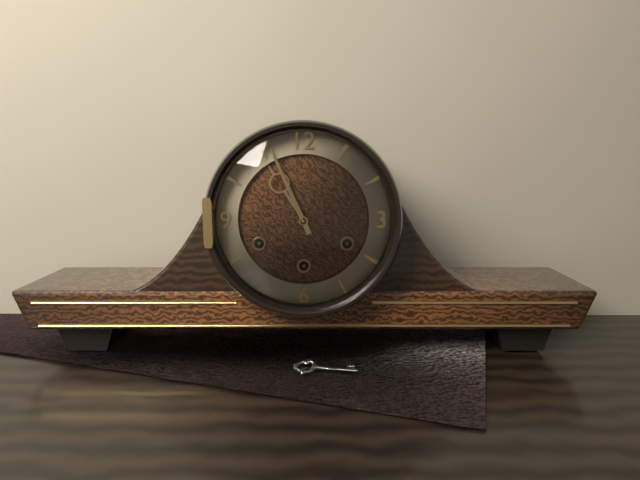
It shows 10:56
